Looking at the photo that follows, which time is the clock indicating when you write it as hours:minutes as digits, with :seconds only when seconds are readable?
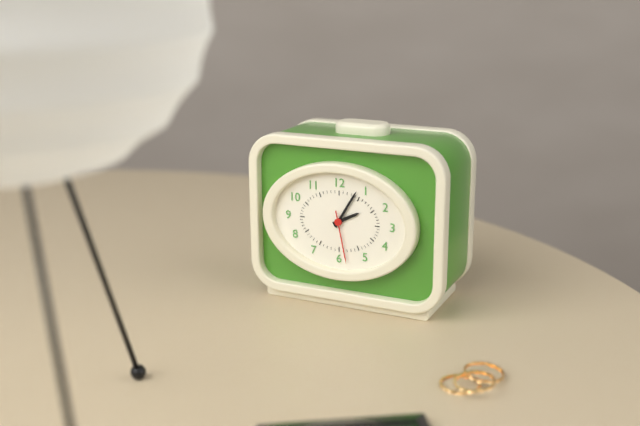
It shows 2:05:28
